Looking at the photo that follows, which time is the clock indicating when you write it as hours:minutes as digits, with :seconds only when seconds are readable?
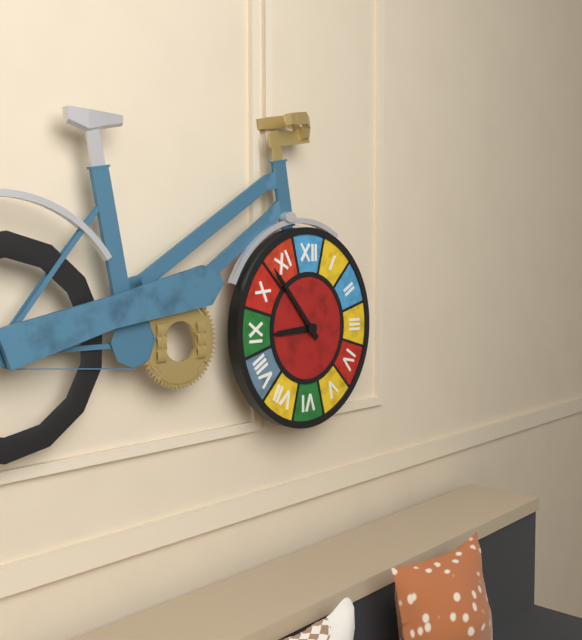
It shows 8:53
